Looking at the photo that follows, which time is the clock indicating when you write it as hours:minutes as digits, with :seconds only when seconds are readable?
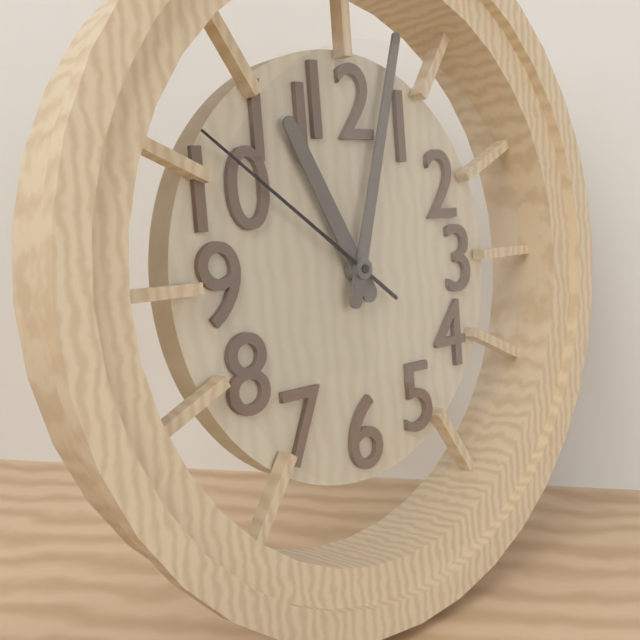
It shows 11:03:51
